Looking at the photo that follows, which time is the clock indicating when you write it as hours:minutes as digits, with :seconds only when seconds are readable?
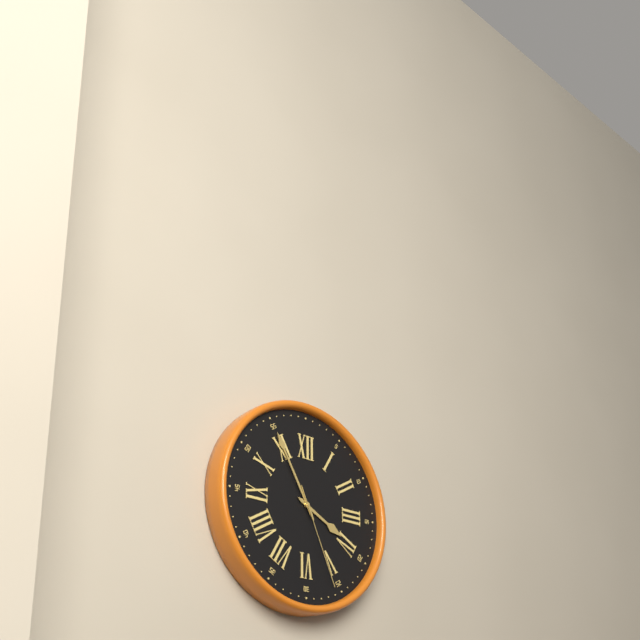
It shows 3:55:26
